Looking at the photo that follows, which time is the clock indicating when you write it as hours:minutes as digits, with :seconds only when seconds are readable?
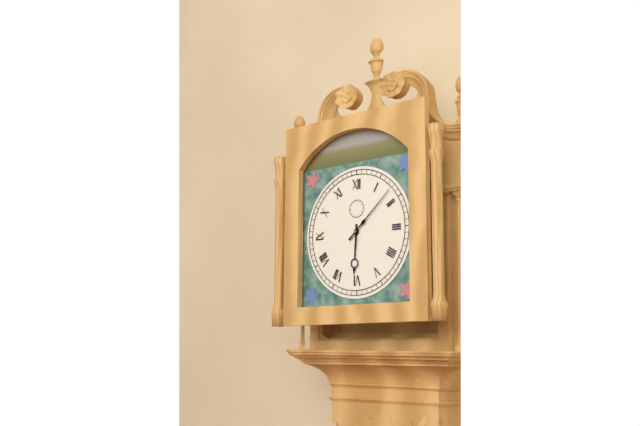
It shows 6:08
